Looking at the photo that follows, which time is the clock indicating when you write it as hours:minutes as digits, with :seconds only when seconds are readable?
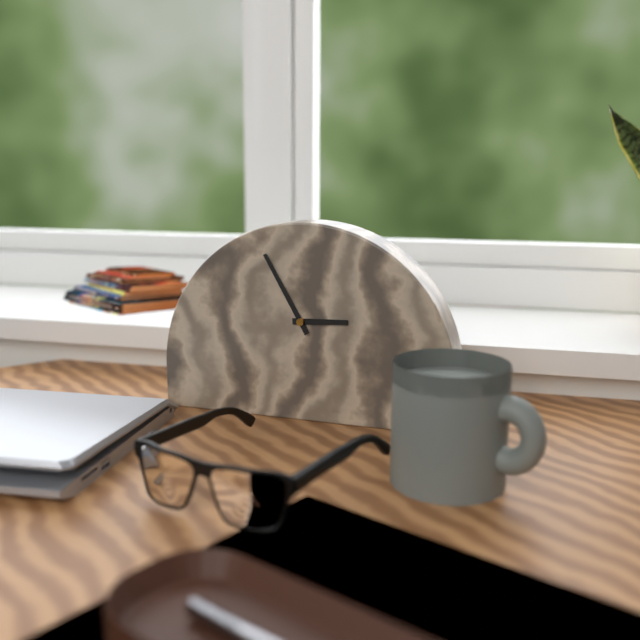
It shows 2:55
